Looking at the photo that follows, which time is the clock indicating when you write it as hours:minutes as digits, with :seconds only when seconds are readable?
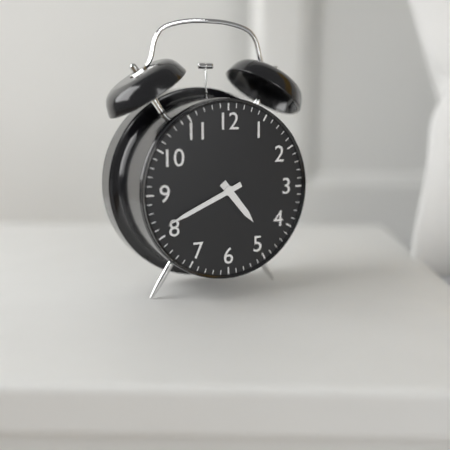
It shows 4:41
